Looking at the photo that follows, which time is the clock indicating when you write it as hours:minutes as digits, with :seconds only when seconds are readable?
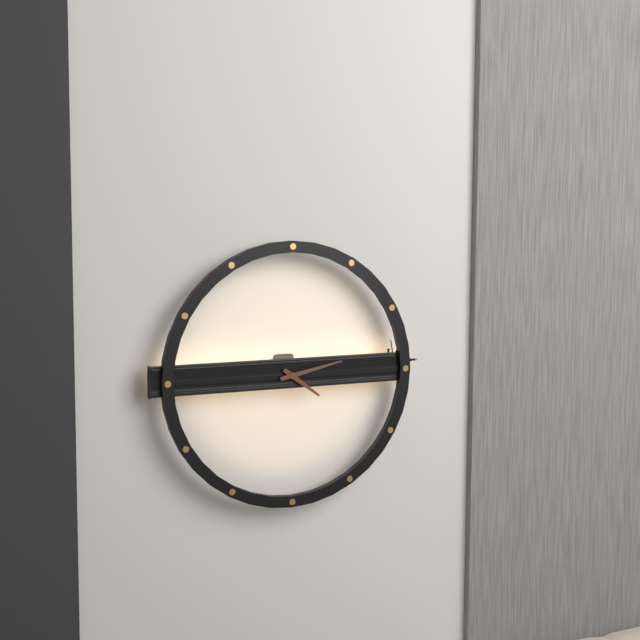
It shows 4:13
